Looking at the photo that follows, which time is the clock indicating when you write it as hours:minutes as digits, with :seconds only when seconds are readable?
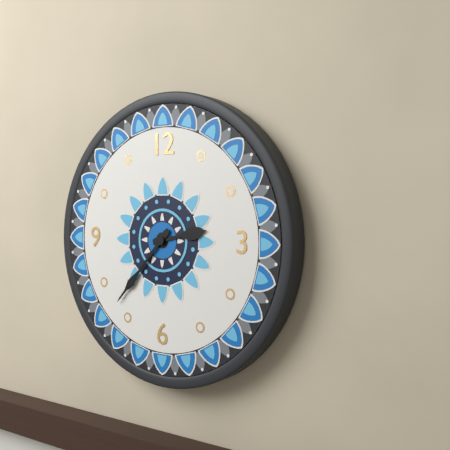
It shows 2:37
